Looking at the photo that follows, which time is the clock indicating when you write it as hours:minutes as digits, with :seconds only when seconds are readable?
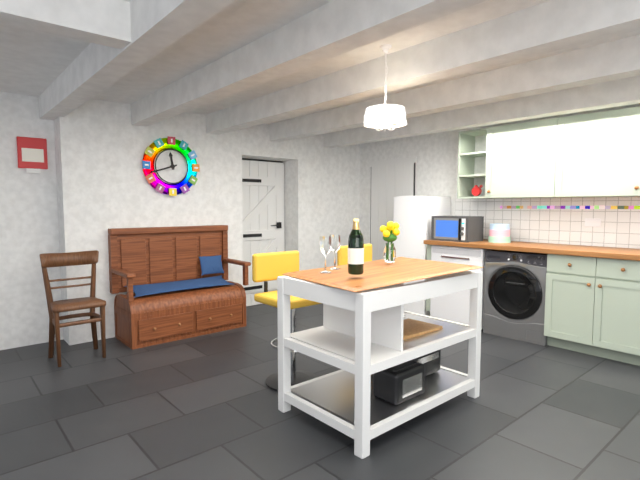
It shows 11:42
